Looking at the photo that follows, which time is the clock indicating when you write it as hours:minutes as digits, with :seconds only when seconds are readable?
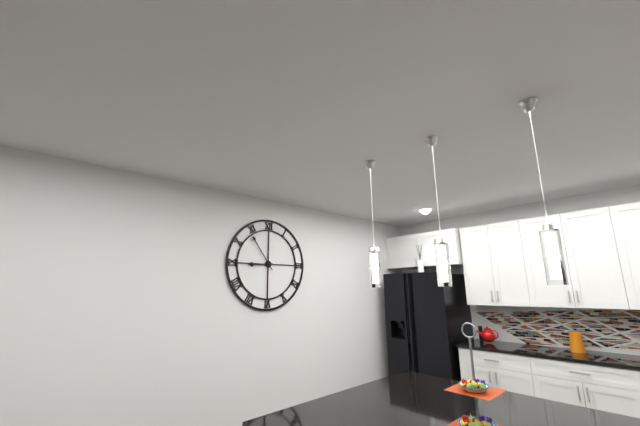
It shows 8:54
